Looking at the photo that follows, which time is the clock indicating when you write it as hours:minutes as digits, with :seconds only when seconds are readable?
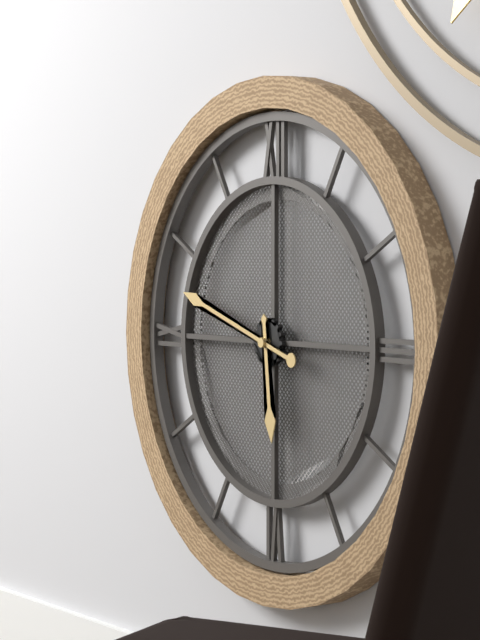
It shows 5:48
